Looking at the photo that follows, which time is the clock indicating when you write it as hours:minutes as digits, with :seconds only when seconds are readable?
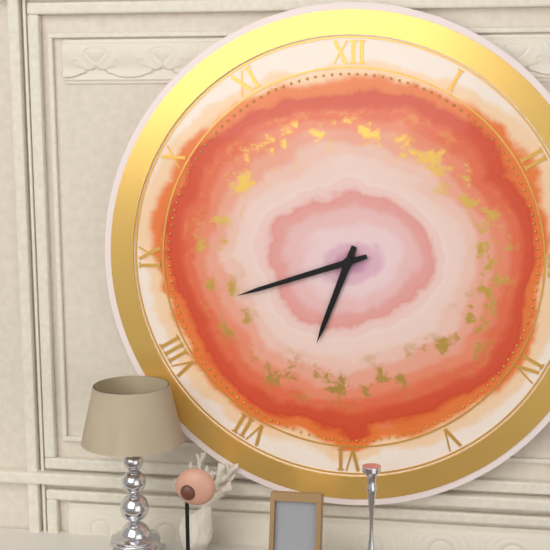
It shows 6:42
